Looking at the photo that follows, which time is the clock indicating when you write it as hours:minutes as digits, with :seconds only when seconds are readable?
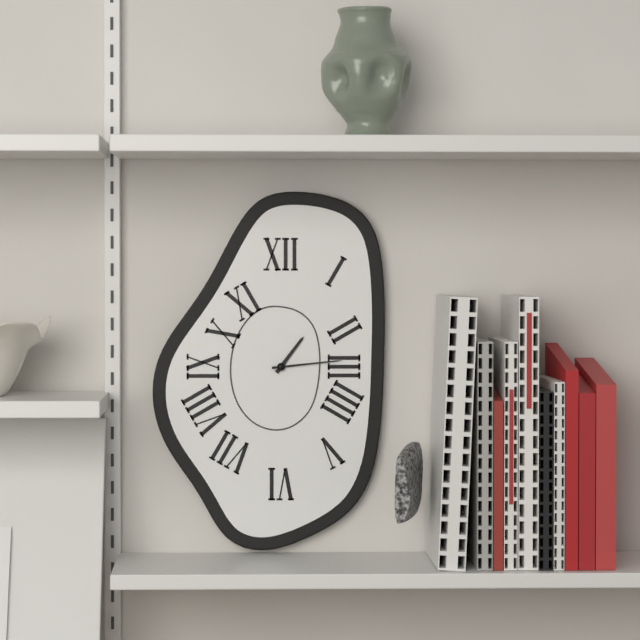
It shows 1:14
